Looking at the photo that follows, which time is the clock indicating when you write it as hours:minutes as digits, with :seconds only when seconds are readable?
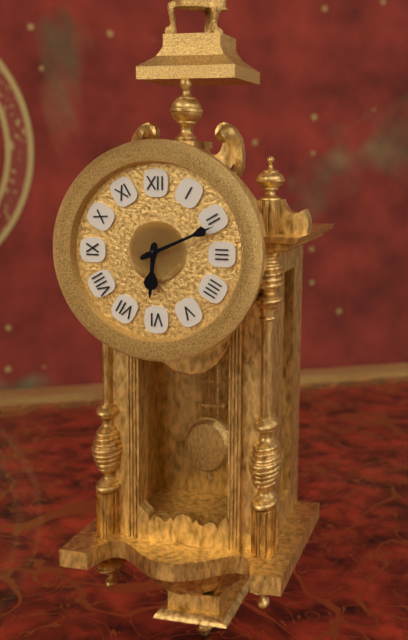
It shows 6:11
